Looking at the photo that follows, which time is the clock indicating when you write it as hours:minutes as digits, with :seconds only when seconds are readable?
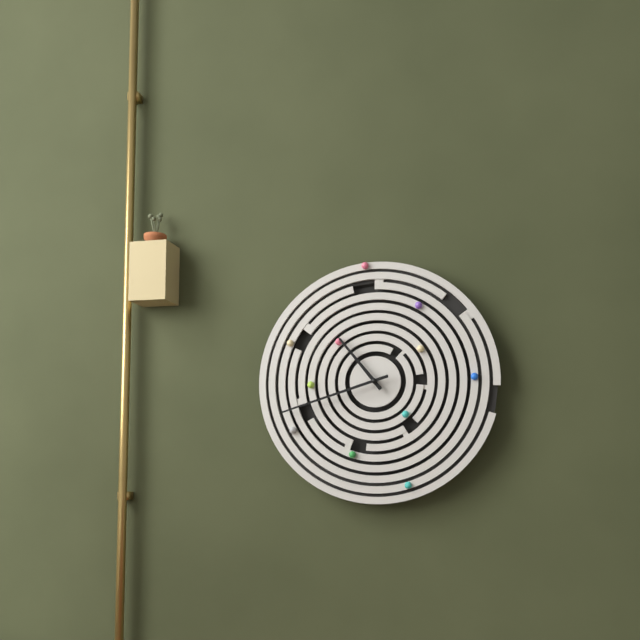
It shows 10:42
